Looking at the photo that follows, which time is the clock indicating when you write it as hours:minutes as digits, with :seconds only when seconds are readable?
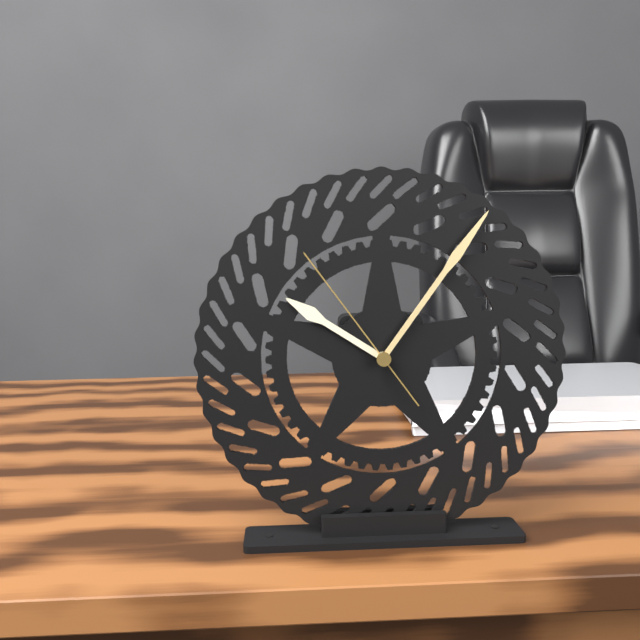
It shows 10:06:54
